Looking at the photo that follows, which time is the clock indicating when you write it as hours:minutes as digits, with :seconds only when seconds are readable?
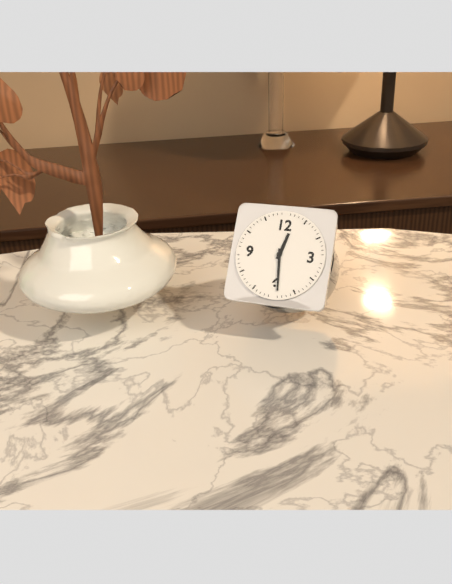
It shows 12:29
